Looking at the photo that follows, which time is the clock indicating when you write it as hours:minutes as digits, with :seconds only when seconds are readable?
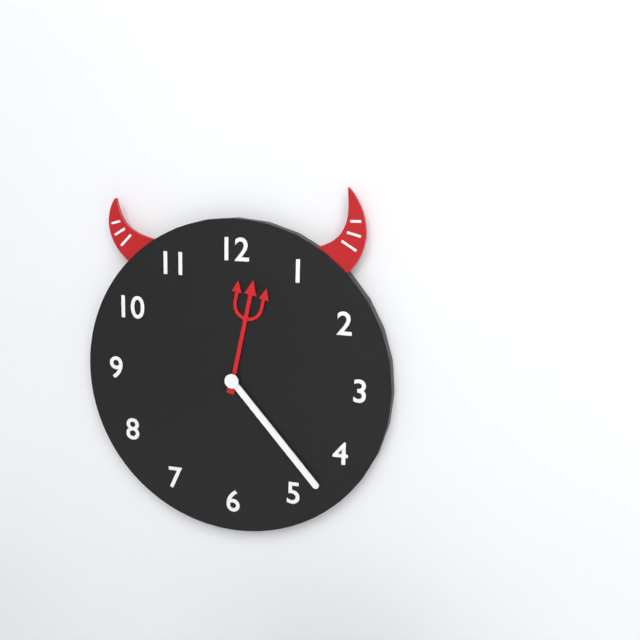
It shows 12:23
